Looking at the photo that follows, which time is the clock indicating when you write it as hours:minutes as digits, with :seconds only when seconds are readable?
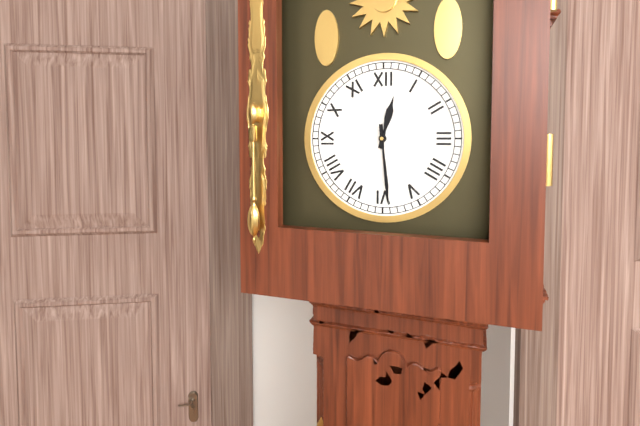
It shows 12:29
